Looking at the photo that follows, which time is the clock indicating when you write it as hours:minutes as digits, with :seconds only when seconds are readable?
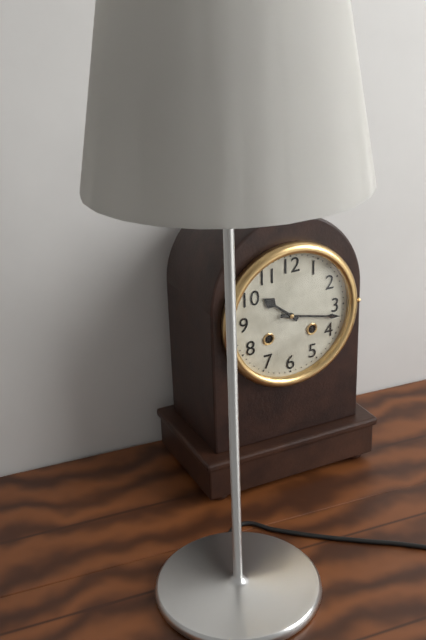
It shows 10:17
